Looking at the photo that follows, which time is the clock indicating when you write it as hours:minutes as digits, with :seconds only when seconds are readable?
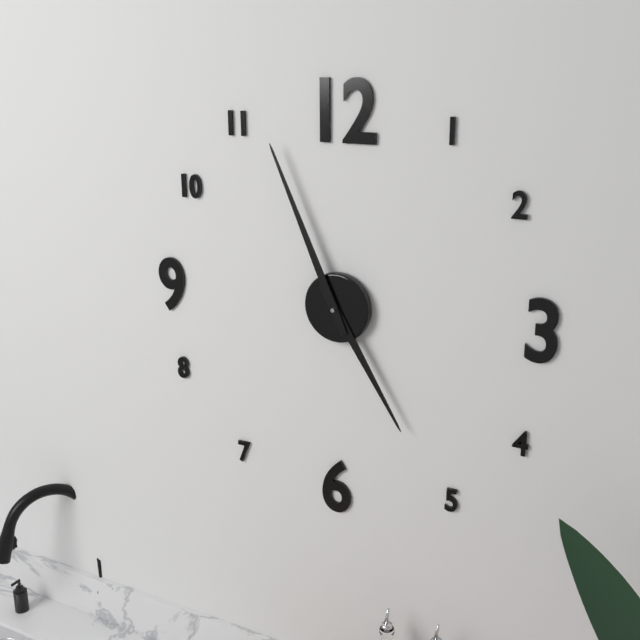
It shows 4:56
